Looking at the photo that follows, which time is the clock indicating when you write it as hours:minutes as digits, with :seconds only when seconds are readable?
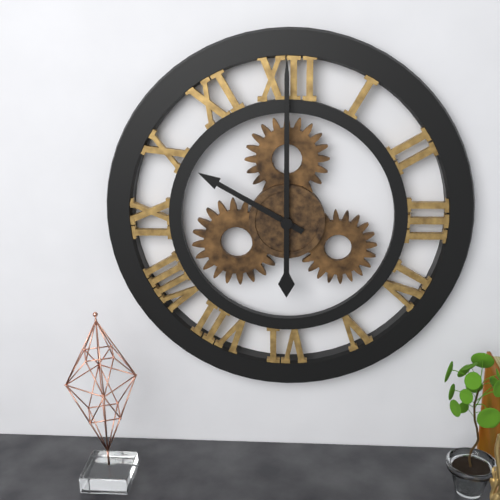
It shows 10:00
